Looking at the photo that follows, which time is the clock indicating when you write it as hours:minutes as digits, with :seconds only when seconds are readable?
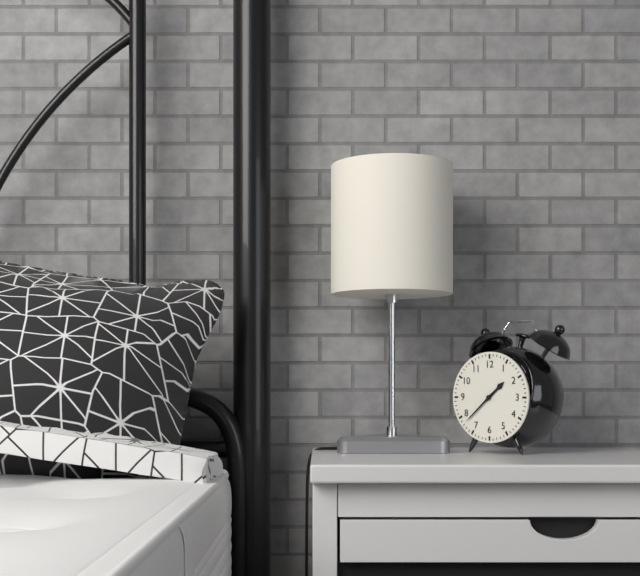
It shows 1:38
